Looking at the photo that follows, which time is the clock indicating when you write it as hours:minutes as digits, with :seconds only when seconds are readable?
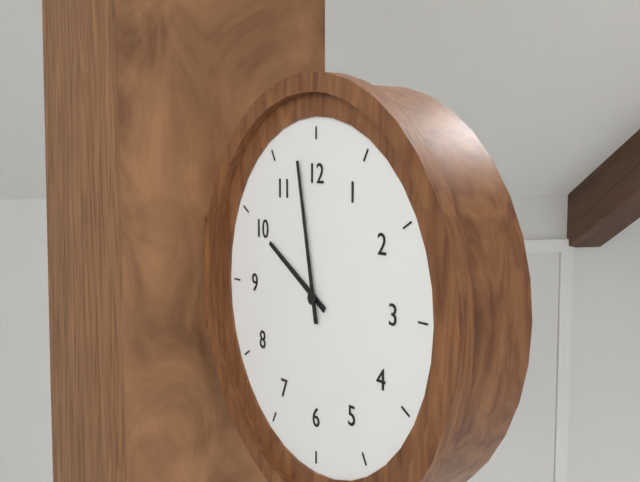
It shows 9:58
